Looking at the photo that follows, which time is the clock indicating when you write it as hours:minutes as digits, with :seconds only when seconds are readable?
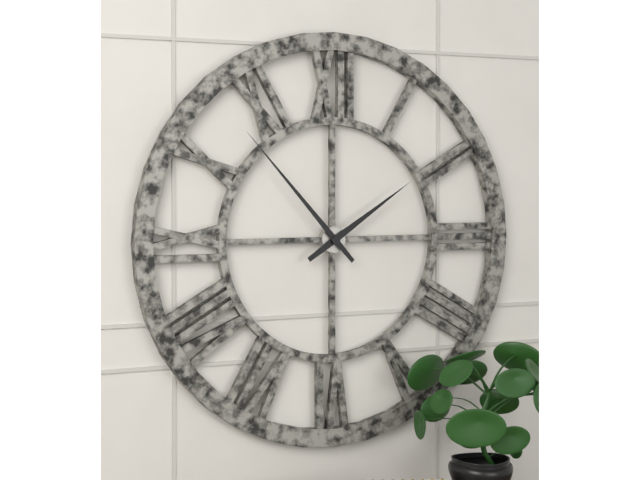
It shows 1:53
